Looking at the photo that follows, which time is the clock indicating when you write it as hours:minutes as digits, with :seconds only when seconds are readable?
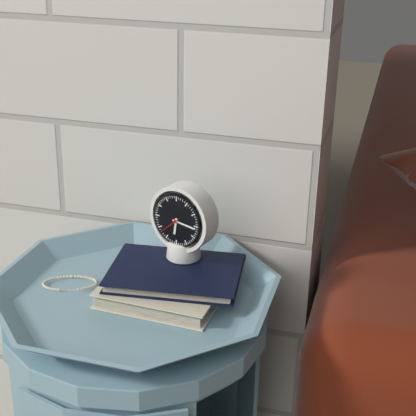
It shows 6:16
